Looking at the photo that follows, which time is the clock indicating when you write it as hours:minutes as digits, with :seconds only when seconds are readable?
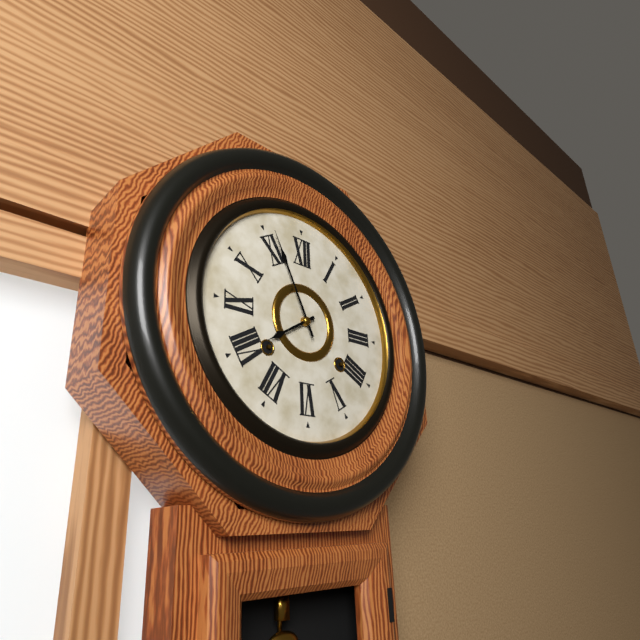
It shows 7:56
